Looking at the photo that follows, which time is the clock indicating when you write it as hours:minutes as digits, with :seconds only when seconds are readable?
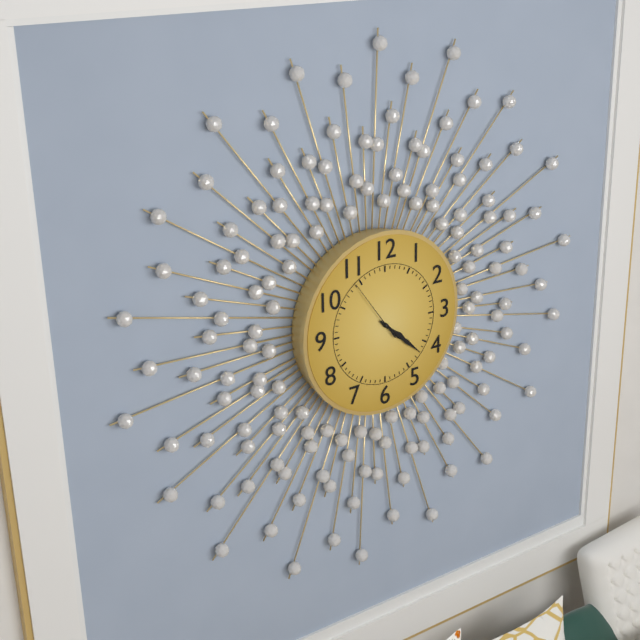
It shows 4:22:54
